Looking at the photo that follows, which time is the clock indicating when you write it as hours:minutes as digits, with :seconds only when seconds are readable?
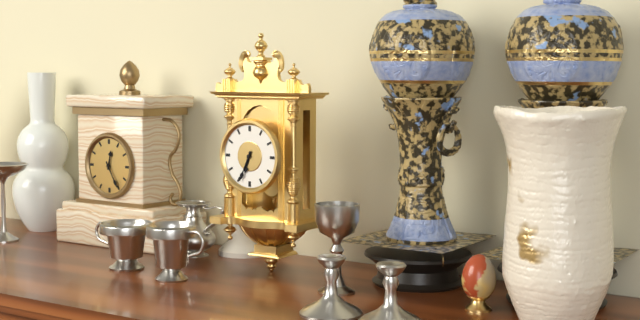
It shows 6:34
